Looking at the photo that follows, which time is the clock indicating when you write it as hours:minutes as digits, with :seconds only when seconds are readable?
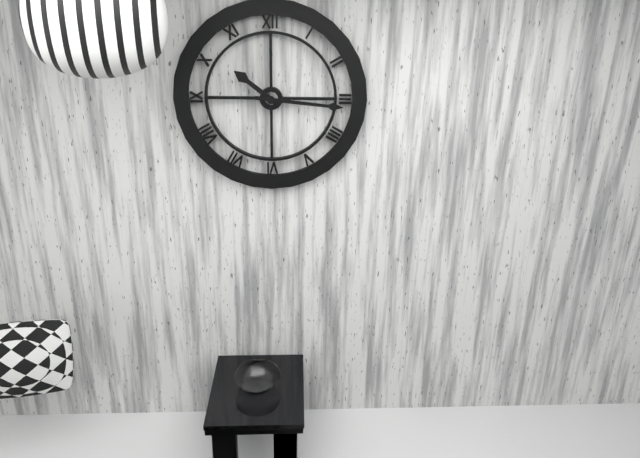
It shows 10:16
